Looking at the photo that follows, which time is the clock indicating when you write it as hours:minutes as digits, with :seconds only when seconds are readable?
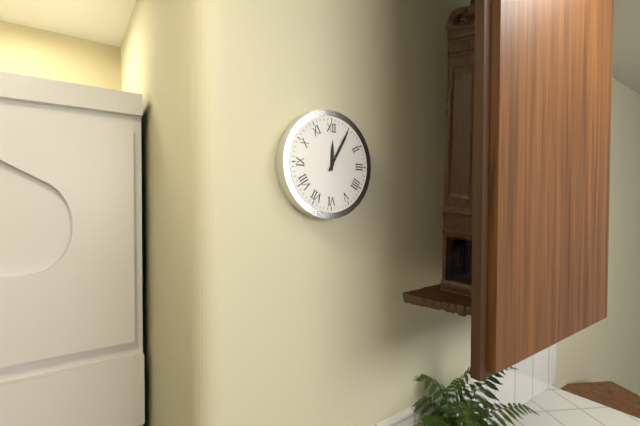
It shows 12:05
